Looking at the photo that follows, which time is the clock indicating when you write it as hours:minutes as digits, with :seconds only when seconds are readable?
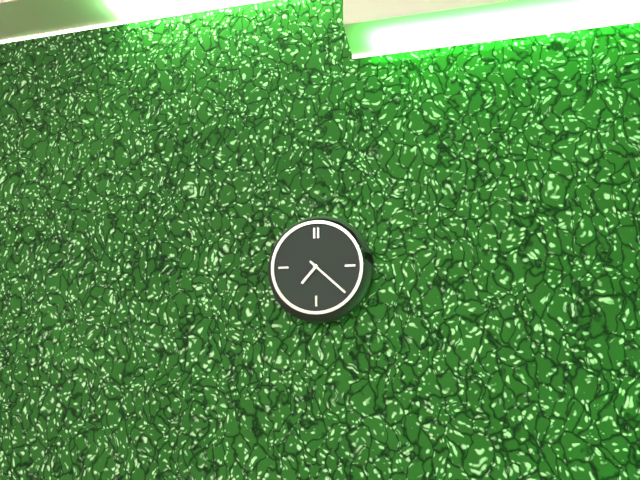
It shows 7:22
